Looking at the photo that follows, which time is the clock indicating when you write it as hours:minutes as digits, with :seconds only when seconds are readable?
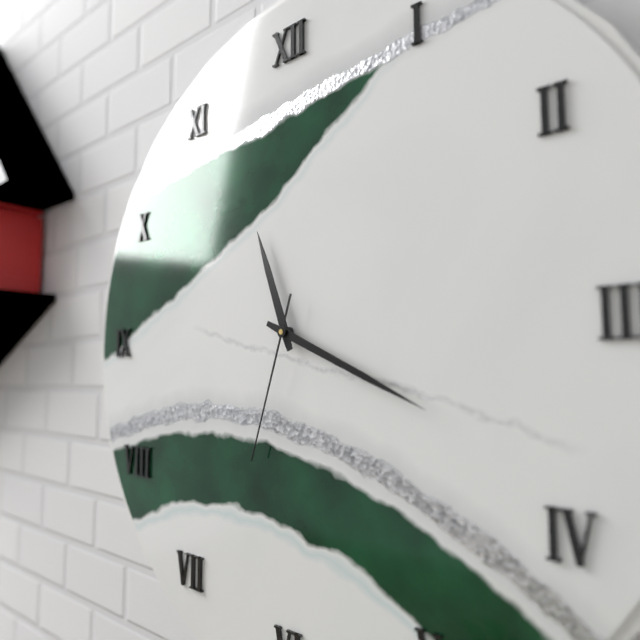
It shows 11:19:33
